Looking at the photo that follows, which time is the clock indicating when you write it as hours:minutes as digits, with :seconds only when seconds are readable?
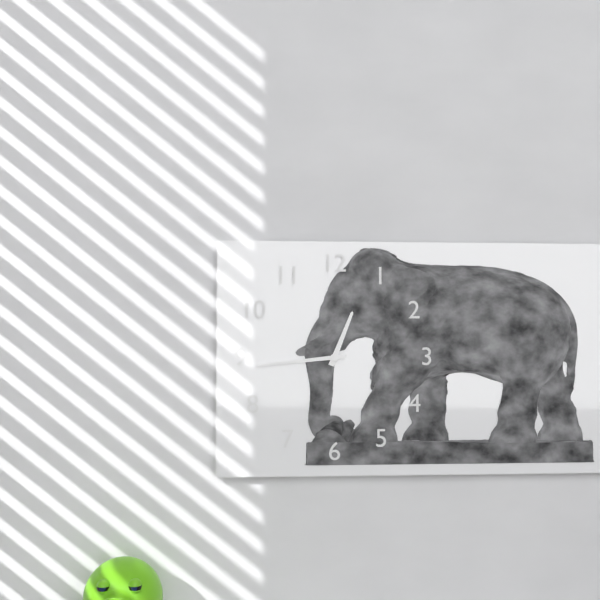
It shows 12:44
